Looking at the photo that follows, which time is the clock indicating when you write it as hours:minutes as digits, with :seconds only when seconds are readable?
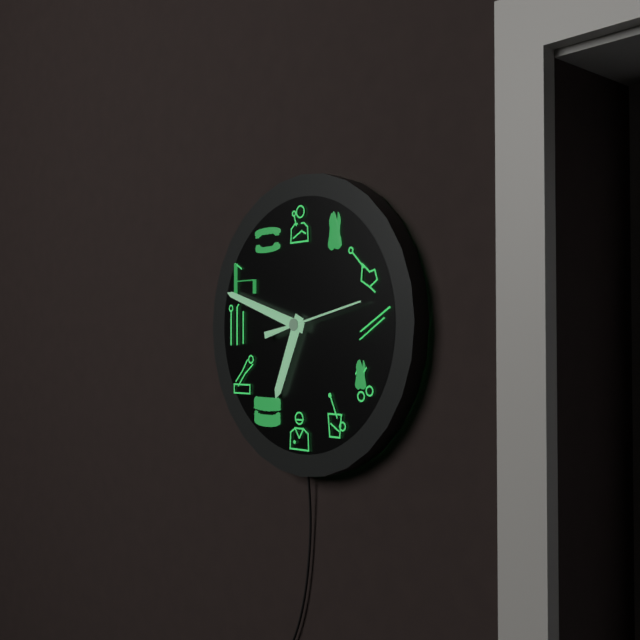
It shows 6:48:13
